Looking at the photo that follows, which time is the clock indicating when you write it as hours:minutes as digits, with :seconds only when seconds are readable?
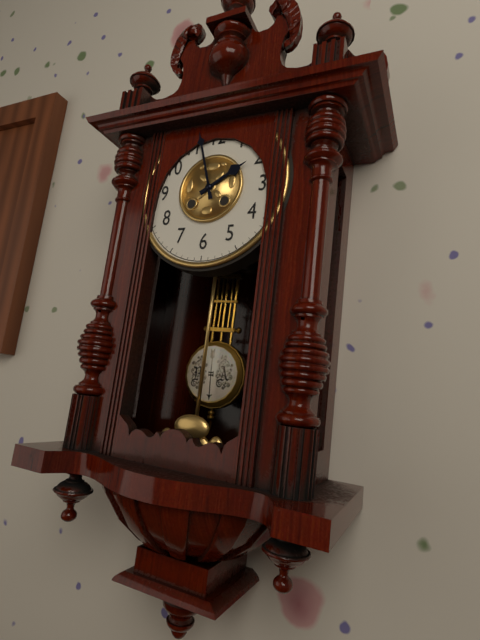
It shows 1:57
